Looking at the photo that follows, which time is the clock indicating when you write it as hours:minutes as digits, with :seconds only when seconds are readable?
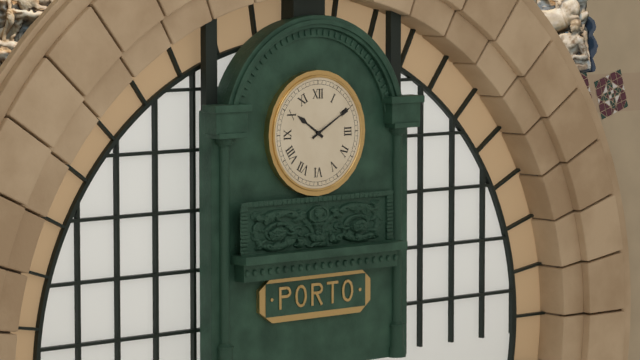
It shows 10:10
